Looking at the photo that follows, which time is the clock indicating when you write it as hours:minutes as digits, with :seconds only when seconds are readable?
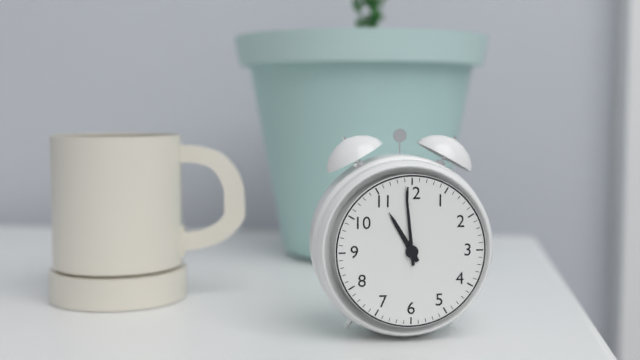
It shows 10:59
